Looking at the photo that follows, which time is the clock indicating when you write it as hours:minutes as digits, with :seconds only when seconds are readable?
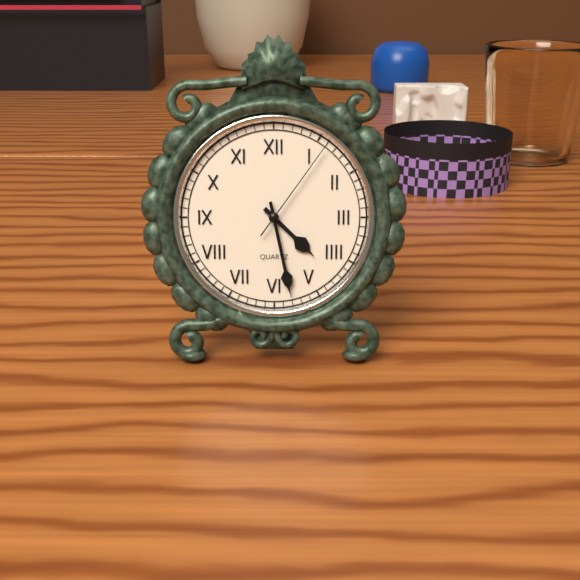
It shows 4:28:06
